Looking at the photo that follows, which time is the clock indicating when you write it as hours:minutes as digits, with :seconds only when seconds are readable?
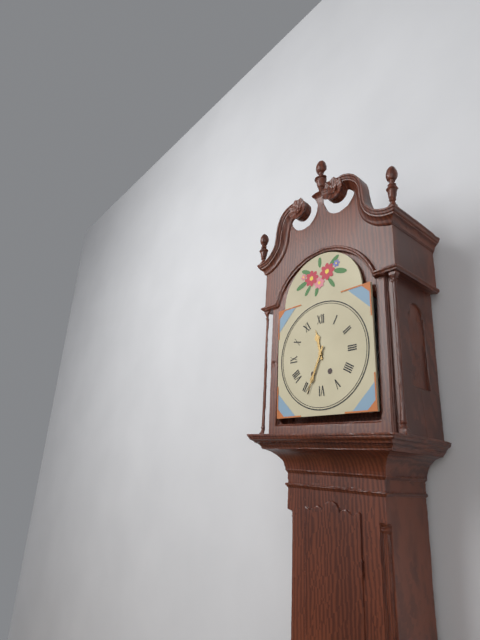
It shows 11:34
